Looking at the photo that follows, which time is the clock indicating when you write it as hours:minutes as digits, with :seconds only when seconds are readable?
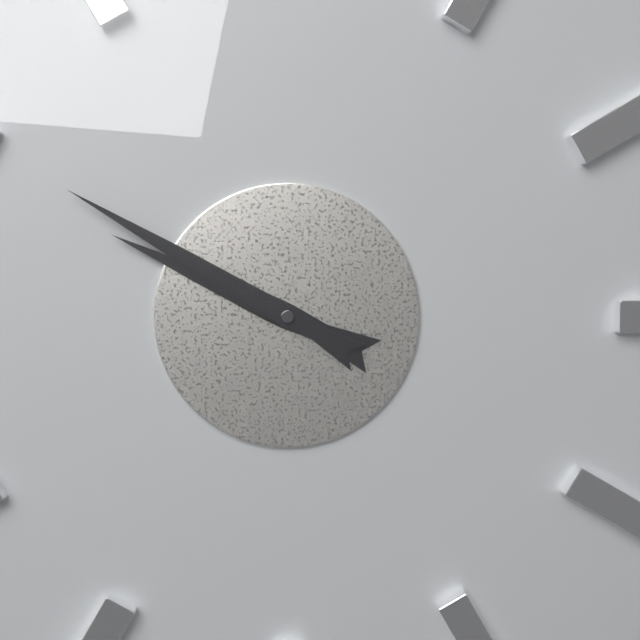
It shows 9:50
